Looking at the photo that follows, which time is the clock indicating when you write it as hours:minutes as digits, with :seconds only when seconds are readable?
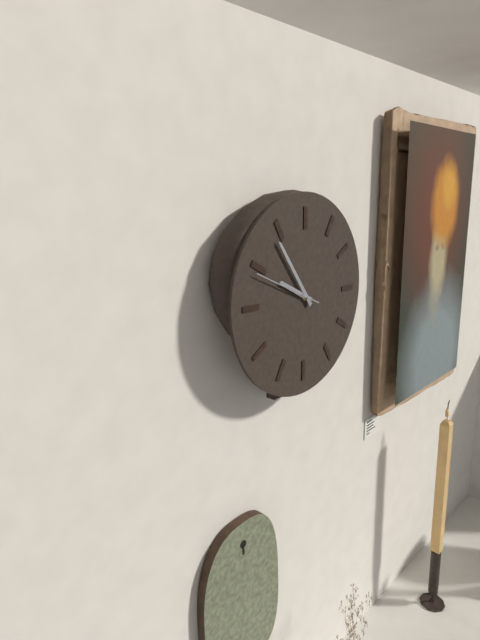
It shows 9:54:49
